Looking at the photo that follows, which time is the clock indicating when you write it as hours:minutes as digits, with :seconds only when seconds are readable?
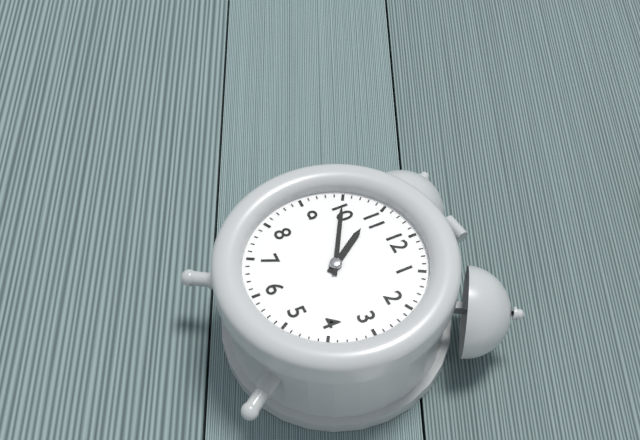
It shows 10:50
